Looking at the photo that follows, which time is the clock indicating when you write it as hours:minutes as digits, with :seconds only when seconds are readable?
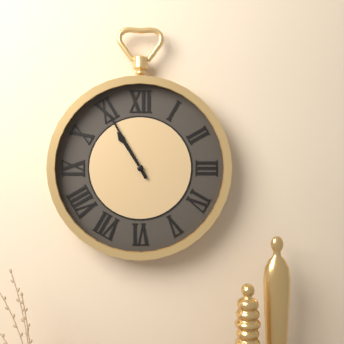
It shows 10:55
